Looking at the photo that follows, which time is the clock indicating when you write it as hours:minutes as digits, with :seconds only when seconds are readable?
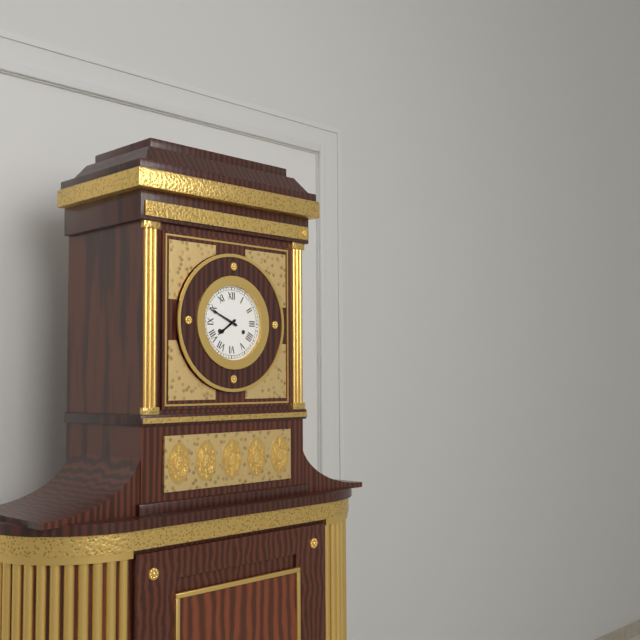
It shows 7:49
